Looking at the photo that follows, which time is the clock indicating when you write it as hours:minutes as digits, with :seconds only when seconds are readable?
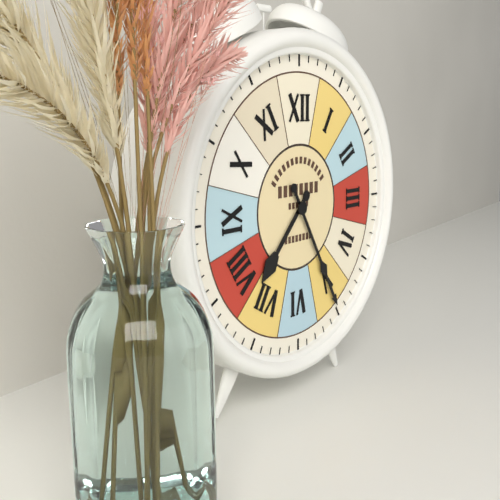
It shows 7:25
